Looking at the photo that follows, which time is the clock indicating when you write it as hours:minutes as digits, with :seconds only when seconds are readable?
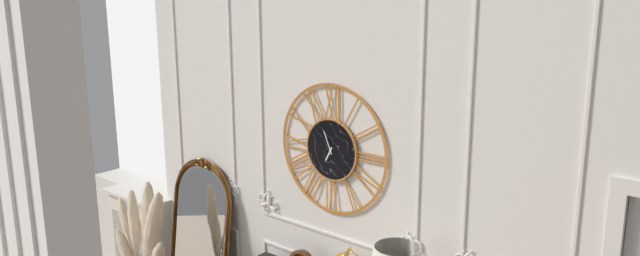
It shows 6:56
